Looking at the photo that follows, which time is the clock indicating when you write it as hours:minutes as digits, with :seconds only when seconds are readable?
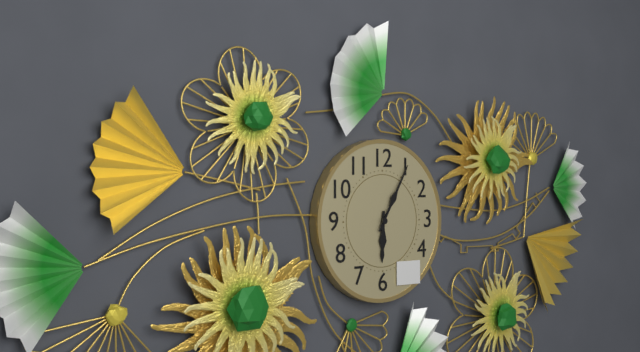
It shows 6:05
